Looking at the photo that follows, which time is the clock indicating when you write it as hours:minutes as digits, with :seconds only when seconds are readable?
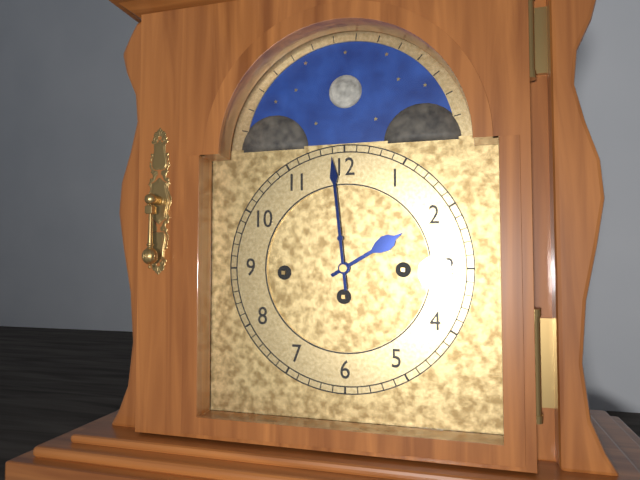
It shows 1:59
